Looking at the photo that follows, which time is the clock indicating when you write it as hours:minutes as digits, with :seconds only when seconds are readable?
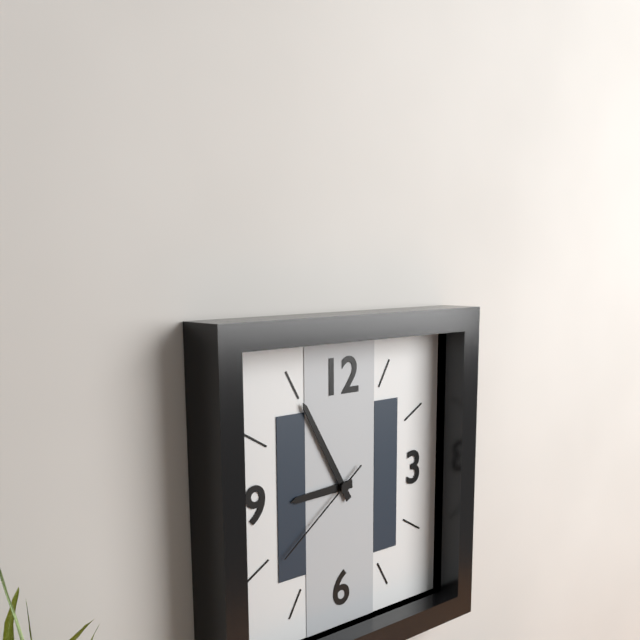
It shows 8:55:39
